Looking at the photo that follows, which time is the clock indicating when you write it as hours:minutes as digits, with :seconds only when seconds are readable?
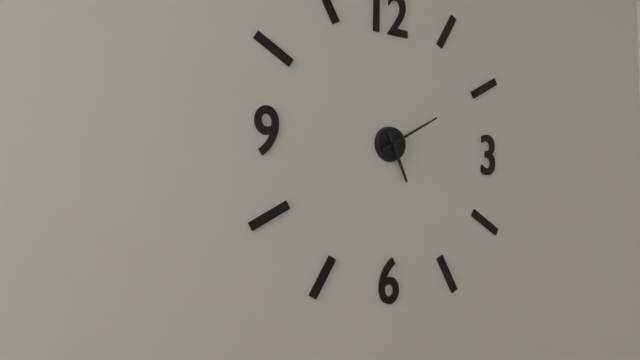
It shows 5:10
